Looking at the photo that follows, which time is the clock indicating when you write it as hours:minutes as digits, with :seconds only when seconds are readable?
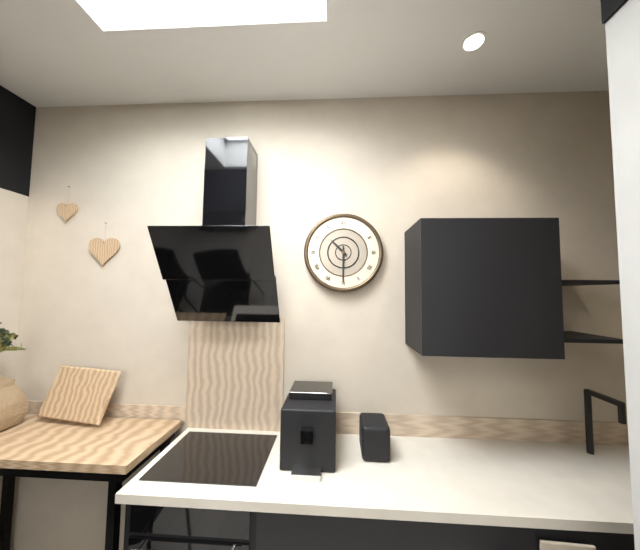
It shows 10:30
